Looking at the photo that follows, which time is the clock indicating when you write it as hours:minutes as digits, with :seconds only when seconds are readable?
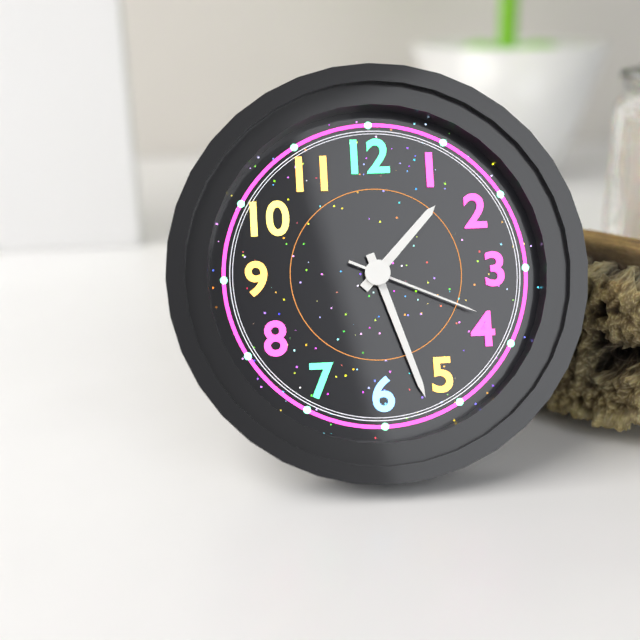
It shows 1:27:19
